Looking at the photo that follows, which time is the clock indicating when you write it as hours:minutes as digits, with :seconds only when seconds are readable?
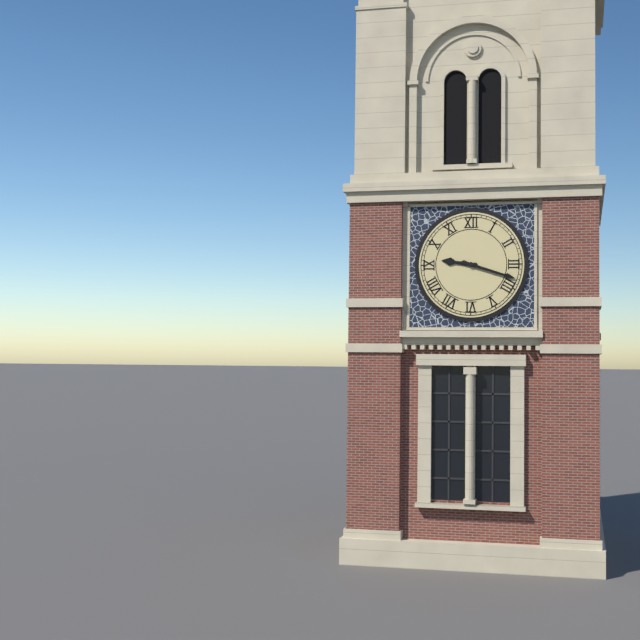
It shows 9:18
